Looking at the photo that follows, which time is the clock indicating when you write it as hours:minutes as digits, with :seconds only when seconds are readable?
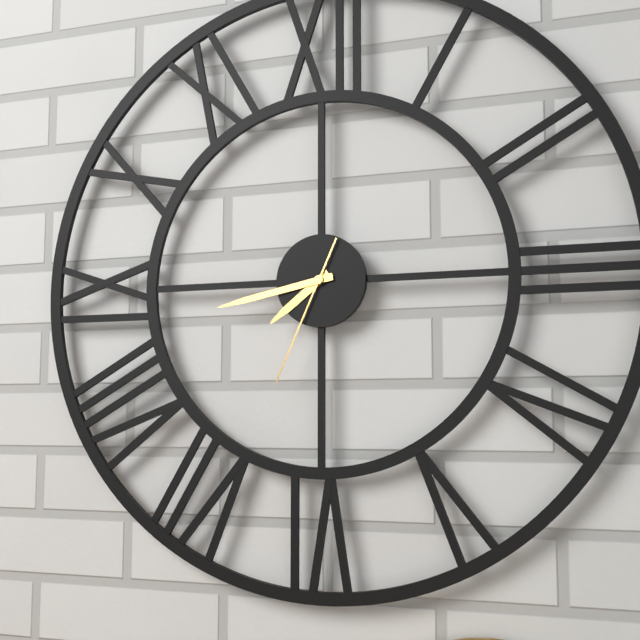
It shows 7:43:34
